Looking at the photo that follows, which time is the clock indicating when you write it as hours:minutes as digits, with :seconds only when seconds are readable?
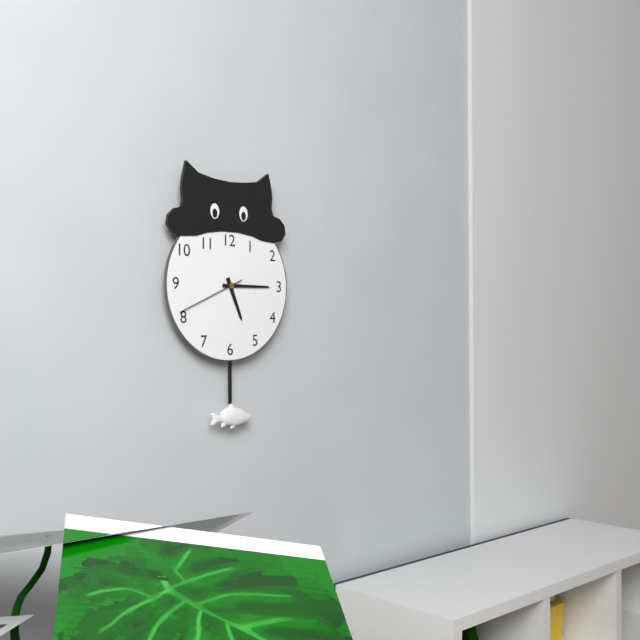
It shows 5:15:41
